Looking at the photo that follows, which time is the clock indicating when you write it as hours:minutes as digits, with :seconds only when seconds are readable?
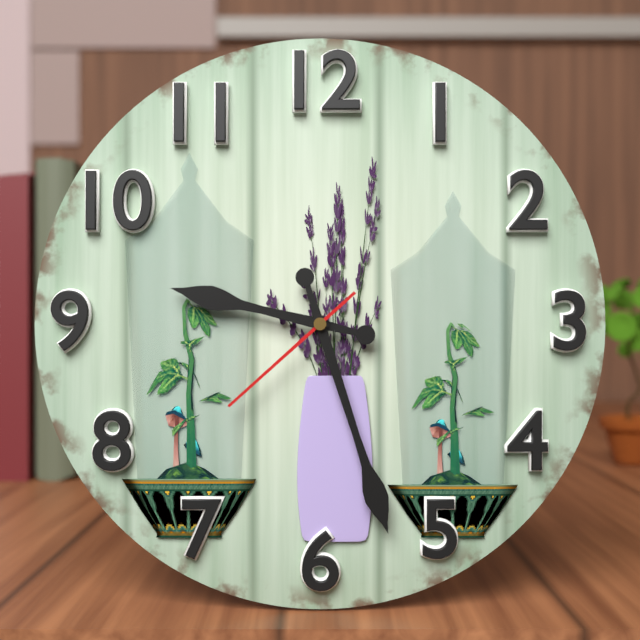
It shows 9:27:38
